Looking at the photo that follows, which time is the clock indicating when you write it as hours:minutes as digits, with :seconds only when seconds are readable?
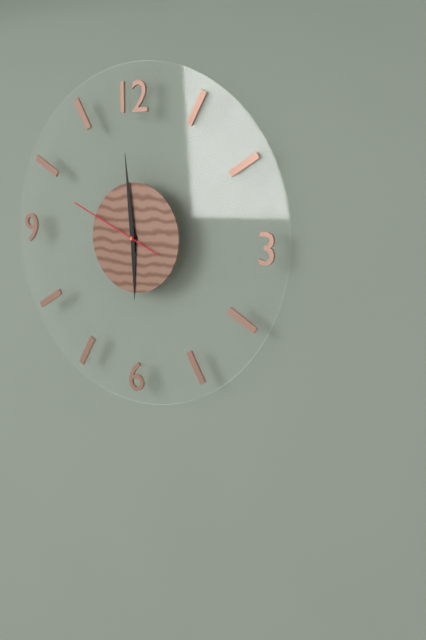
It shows 5:59:49
